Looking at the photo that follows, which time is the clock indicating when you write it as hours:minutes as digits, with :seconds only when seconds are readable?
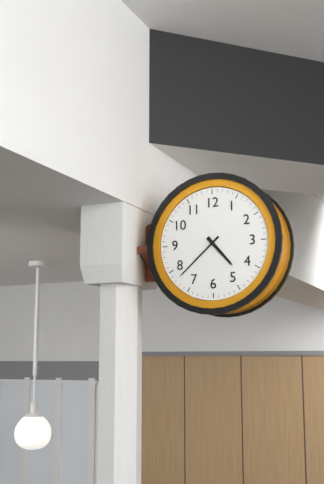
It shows 4:38
